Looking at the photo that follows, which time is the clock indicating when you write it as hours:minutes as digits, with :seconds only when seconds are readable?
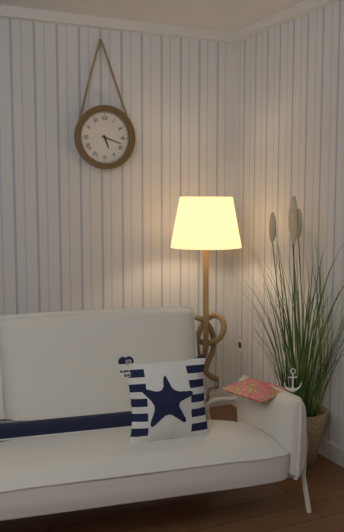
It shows 5:18
